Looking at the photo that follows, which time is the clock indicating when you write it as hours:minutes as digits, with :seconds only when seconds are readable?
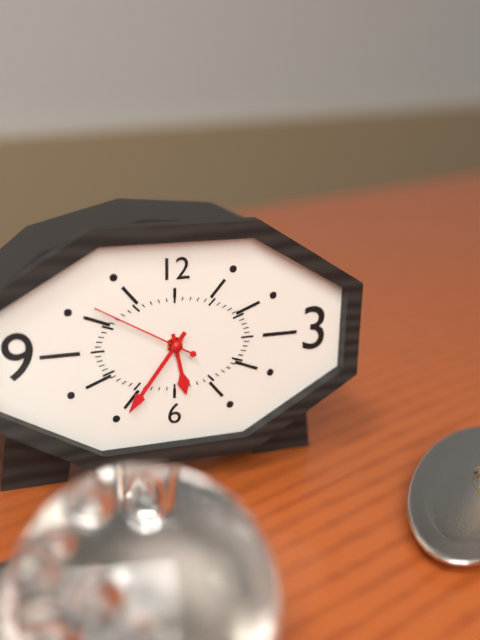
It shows 5:36:50
